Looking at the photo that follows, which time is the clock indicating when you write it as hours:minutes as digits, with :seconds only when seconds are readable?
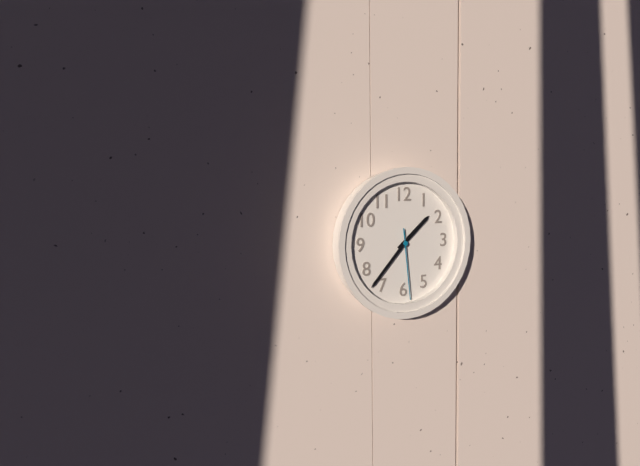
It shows 1:37:29
